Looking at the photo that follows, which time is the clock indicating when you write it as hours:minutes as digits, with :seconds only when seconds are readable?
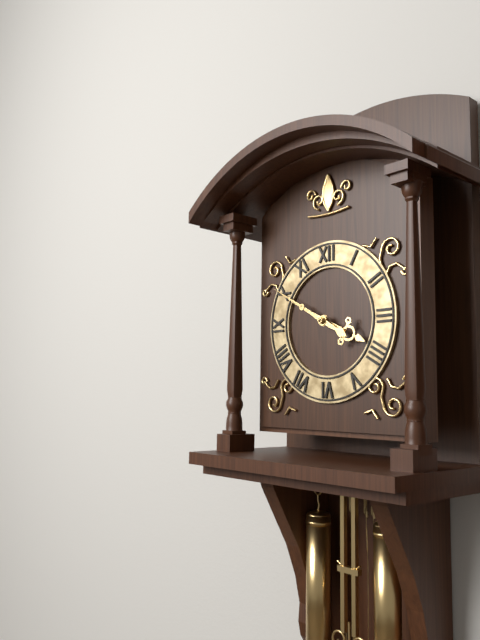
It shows 3:50
